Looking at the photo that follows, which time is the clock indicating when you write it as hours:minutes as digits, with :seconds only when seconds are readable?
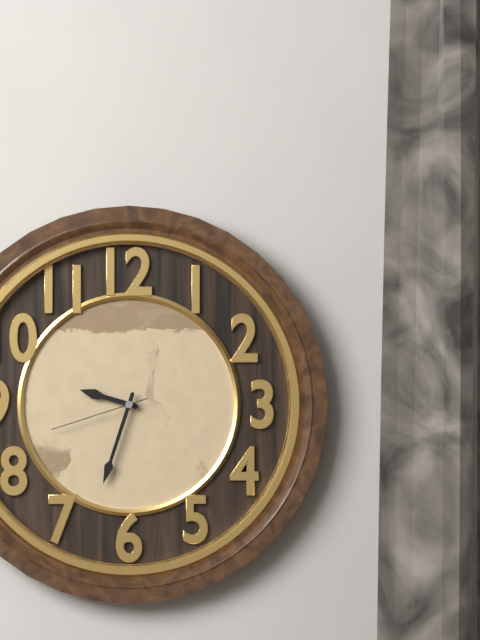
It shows 9:33:42
